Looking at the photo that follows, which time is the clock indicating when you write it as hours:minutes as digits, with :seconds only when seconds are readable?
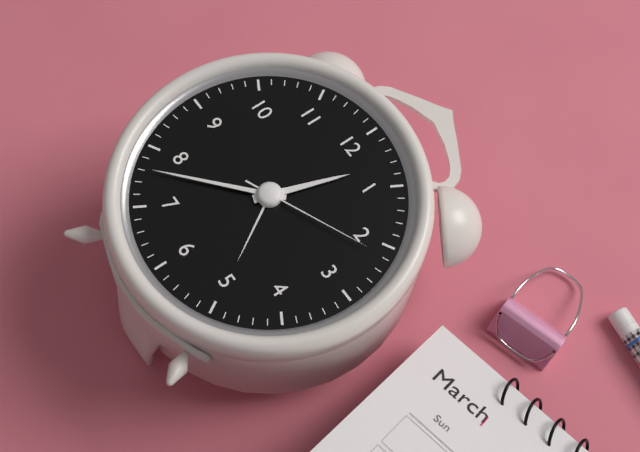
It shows 12:38:11
